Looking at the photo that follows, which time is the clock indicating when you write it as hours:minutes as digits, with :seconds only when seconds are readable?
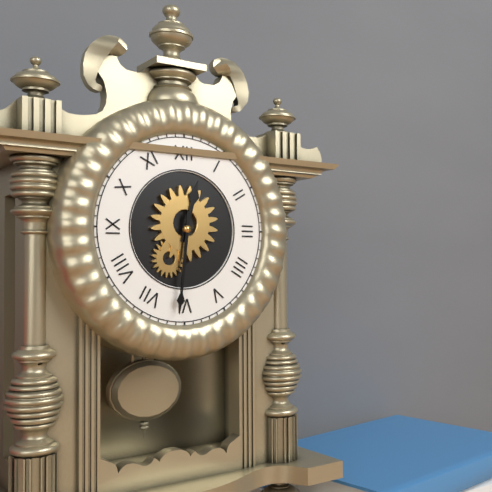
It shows 12:31
